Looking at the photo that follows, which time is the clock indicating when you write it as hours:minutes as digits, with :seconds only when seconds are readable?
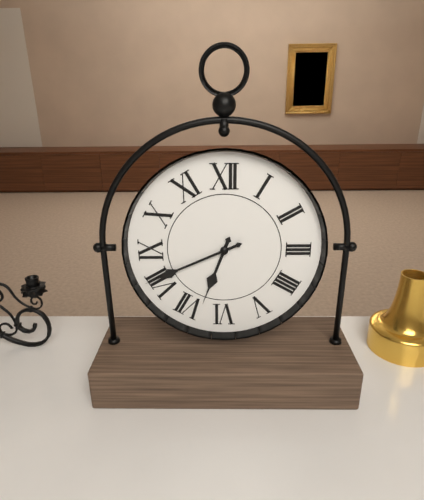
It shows 6:41
